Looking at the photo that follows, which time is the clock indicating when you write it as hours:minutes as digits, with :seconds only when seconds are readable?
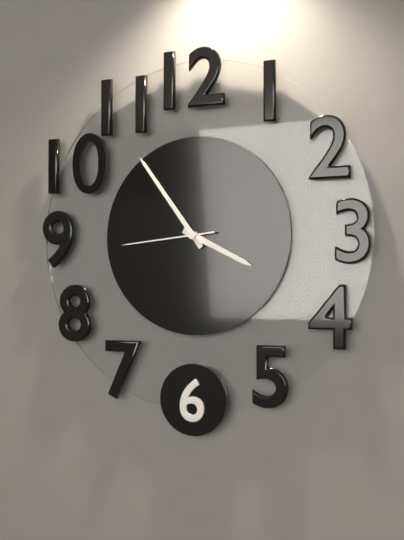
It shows 3:54:44
